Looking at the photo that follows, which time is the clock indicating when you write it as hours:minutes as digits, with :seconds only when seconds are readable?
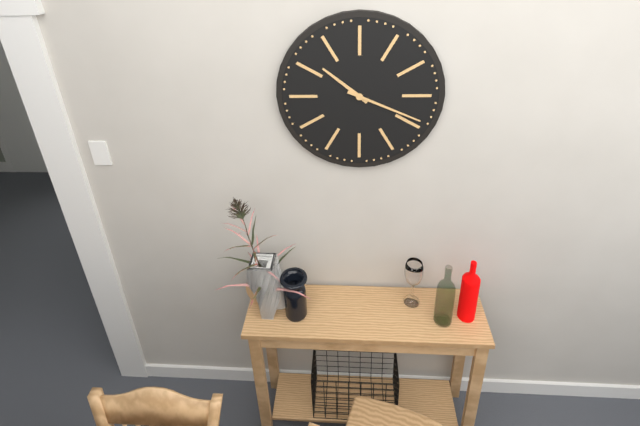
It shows 10:19
